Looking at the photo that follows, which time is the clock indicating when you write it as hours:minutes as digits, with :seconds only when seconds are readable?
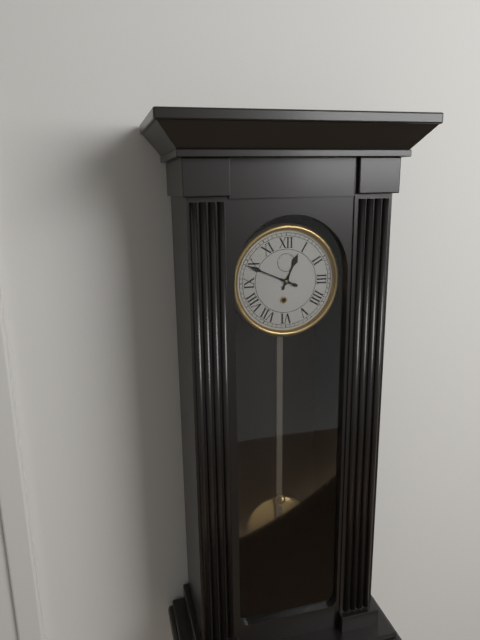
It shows 12:49
